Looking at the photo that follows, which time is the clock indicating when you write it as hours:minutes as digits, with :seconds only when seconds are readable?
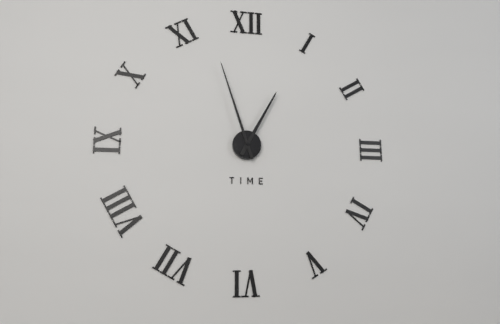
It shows 12:57
